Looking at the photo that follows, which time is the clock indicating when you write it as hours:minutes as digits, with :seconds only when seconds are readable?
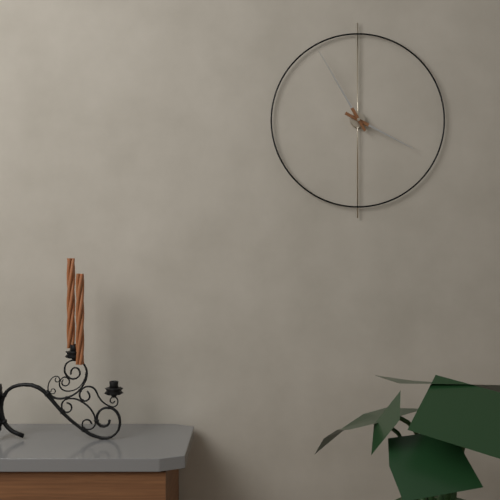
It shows 3:55
